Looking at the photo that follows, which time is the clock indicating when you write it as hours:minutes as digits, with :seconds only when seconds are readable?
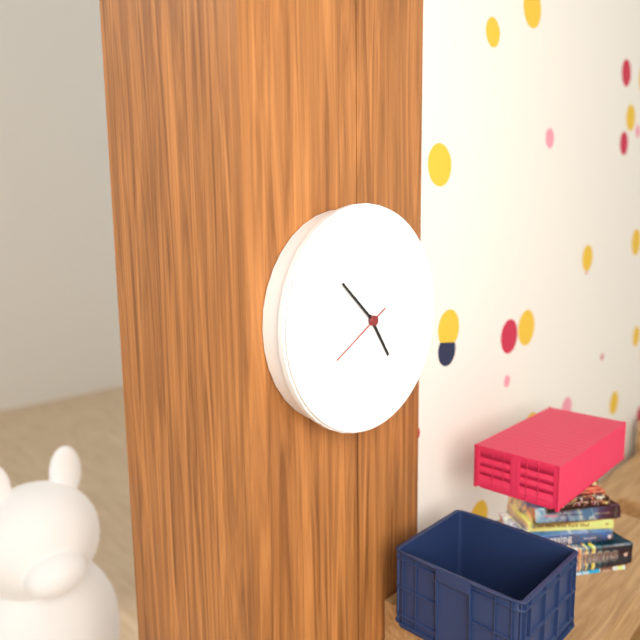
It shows 4:52:40
